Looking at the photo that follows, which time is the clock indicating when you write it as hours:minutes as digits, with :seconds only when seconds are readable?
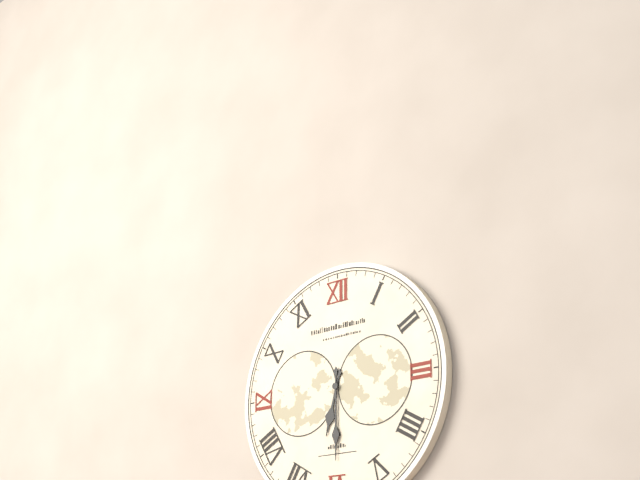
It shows 6:30
